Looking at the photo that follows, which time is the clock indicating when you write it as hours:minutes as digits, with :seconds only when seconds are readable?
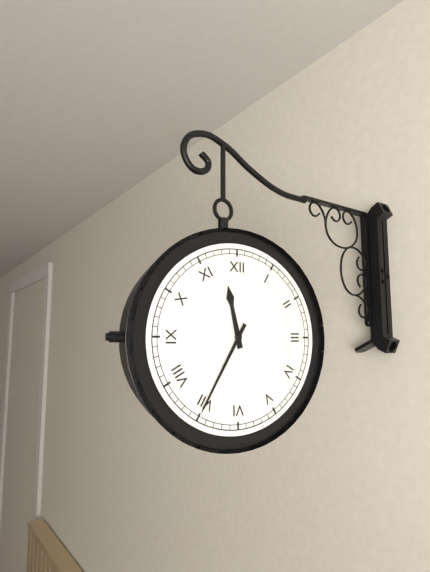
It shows 11:35
